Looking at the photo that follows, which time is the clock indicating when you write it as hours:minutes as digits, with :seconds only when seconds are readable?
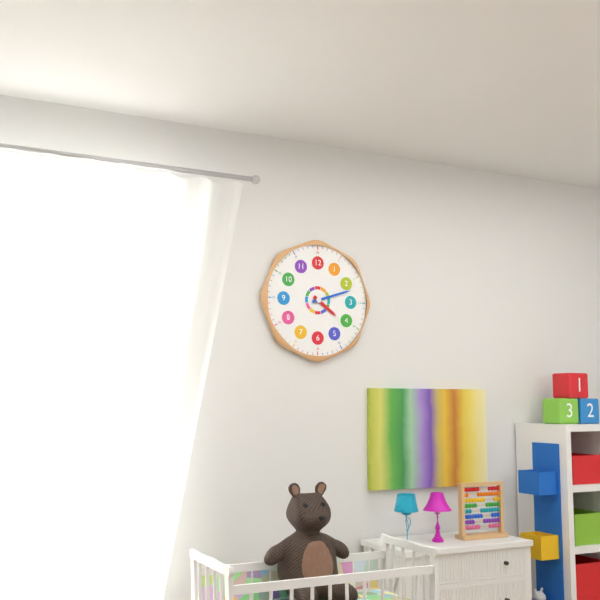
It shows 4:12
